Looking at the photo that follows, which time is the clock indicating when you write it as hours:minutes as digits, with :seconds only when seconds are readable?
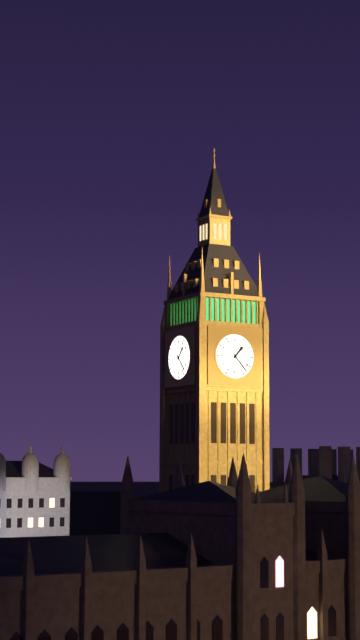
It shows 1:23
